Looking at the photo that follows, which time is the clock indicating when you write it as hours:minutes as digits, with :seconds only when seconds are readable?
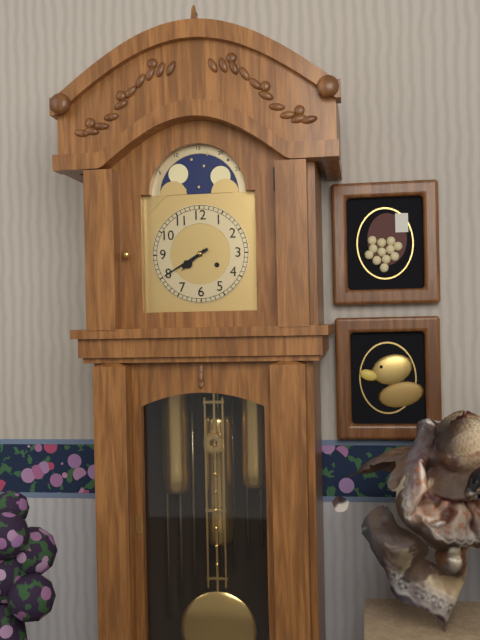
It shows 7:40
